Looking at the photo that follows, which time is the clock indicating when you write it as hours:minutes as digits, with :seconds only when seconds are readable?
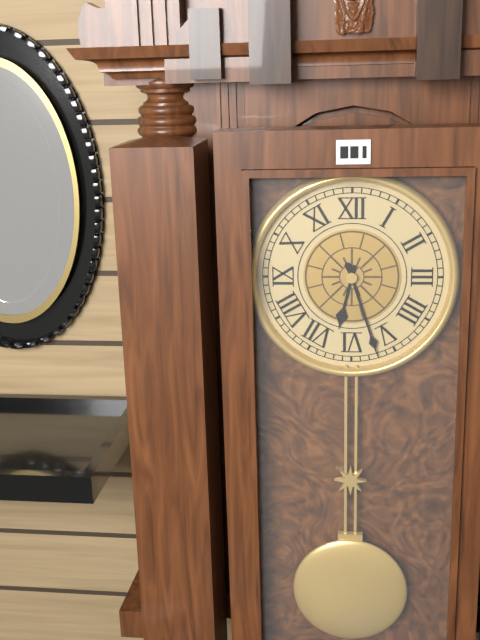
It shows 6:27
